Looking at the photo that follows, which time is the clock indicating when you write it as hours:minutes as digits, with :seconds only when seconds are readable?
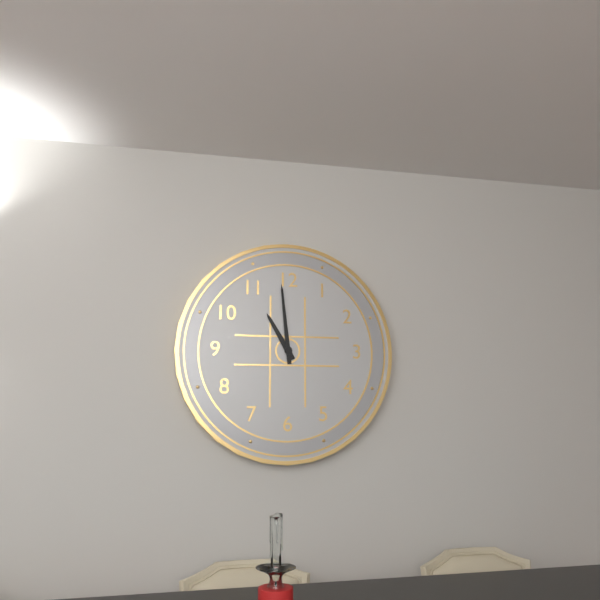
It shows 10:59
